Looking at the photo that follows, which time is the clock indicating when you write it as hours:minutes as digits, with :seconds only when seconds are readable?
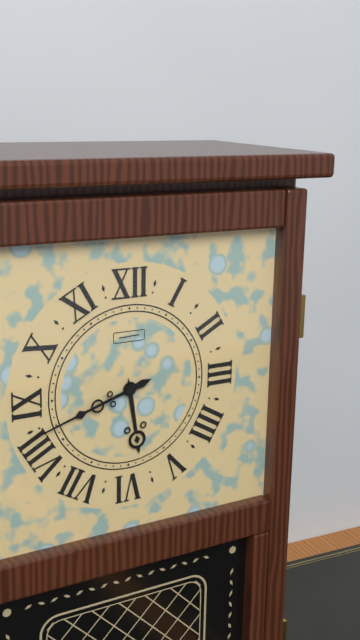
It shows 5:42
